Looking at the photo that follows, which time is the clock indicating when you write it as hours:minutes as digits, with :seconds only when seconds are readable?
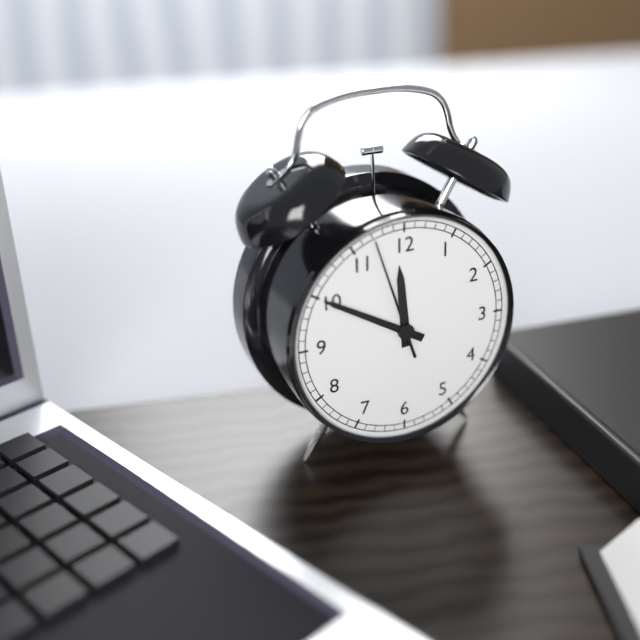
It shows 11:50:57
